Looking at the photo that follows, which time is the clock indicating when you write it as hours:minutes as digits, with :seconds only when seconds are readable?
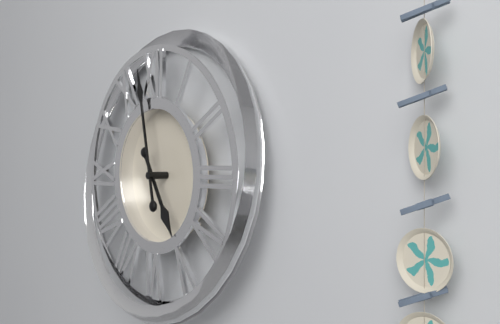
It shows 4:58
